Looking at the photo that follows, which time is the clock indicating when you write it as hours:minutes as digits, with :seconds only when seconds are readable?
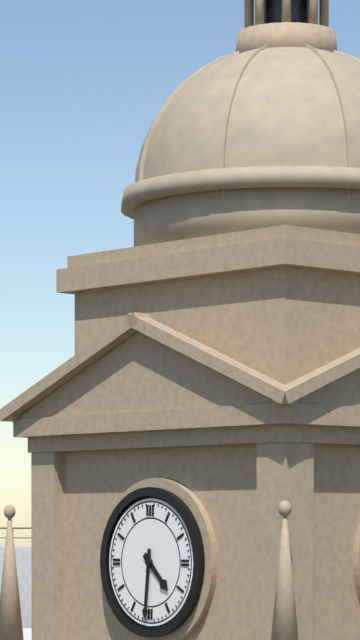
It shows 4:31
